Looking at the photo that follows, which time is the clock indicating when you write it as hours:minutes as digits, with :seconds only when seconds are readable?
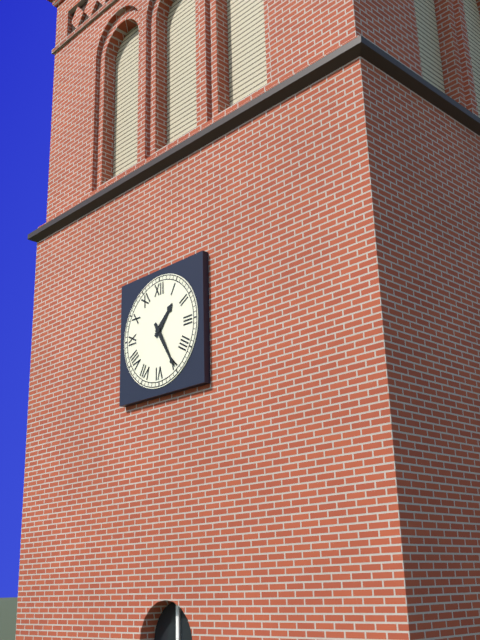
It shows 1:25
